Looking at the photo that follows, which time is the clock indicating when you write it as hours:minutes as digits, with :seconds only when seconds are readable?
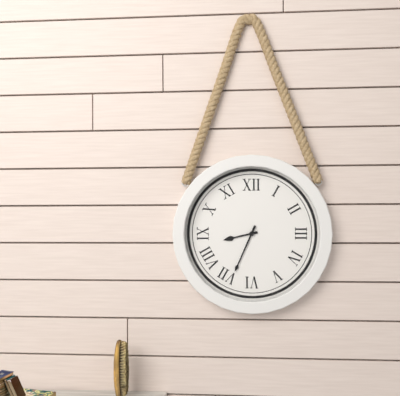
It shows 8:34
